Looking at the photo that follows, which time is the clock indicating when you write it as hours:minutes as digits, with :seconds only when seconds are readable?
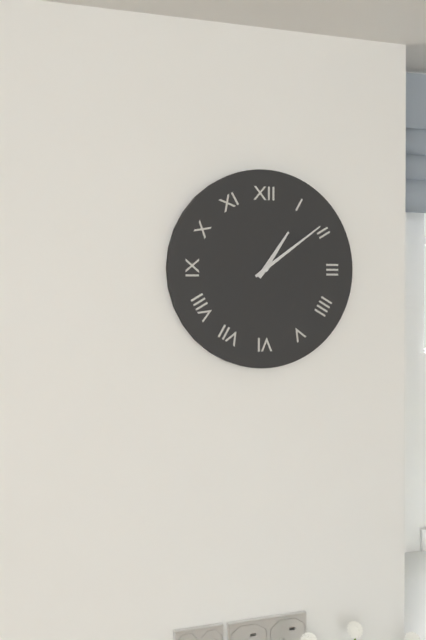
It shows 1:09
